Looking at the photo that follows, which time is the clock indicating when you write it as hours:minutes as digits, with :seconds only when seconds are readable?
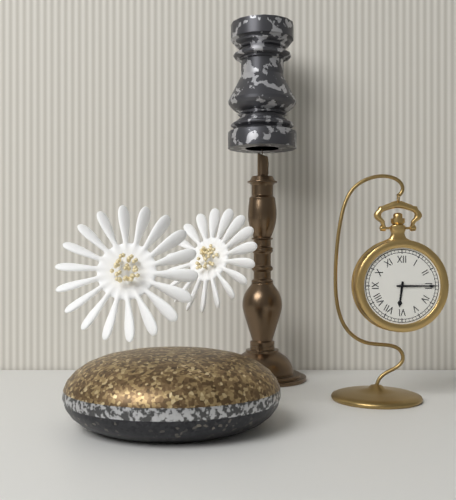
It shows 6:15
